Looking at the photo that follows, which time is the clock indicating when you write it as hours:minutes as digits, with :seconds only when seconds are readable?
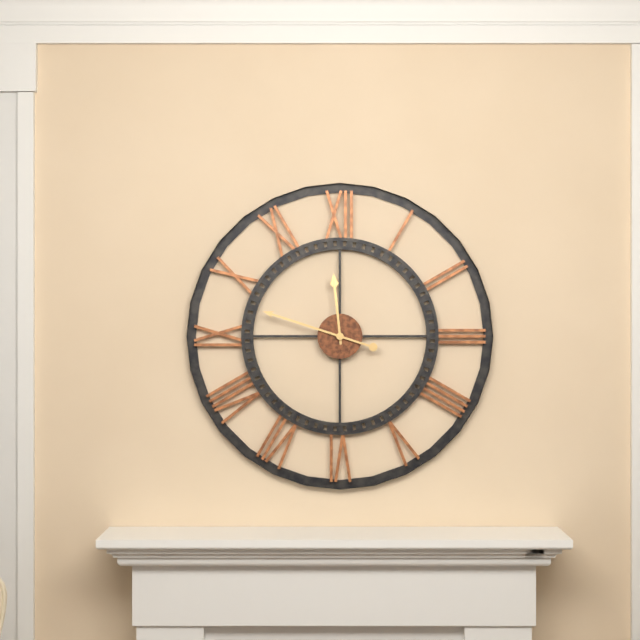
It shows 11:48
